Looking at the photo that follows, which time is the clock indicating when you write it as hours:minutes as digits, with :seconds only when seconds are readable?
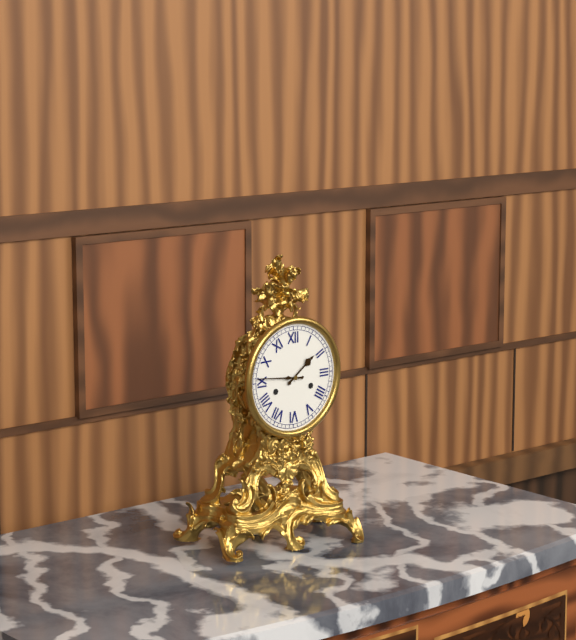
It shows 1:46
